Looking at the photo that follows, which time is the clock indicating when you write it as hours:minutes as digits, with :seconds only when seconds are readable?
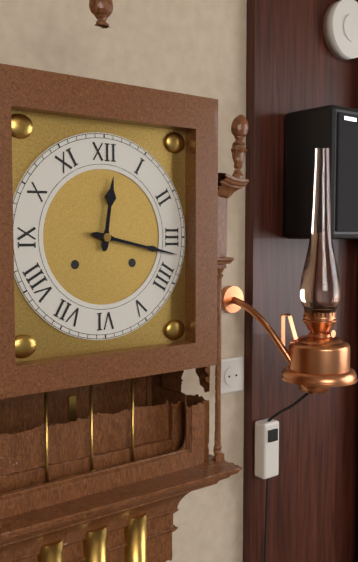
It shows 12:17
